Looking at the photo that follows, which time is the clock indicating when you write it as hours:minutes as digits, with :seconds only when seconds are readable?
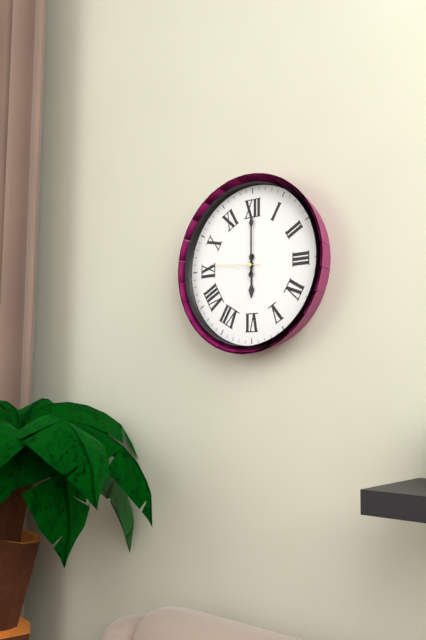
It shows 6:00:46
